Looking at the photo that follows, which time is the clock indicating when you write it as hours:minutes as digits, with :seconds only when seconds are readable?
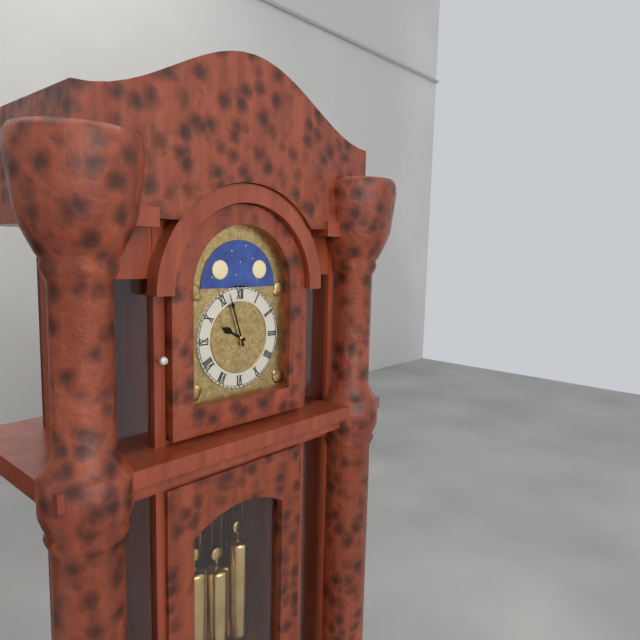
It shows 9:57
